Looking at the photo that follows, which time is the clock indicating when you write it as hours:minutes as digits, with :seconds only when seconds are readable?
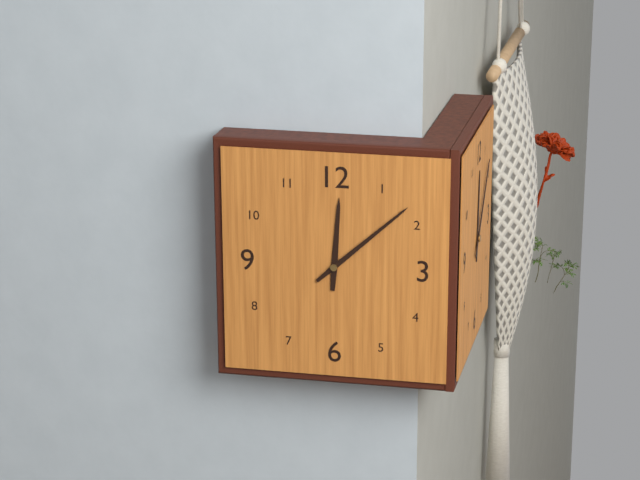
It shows 12:08
